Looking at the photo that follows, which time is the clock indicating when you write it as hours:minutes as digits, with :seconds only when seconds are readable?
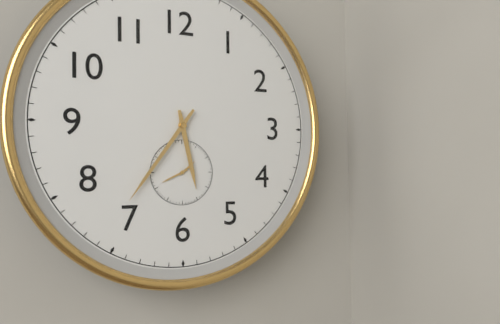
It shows 5:36
